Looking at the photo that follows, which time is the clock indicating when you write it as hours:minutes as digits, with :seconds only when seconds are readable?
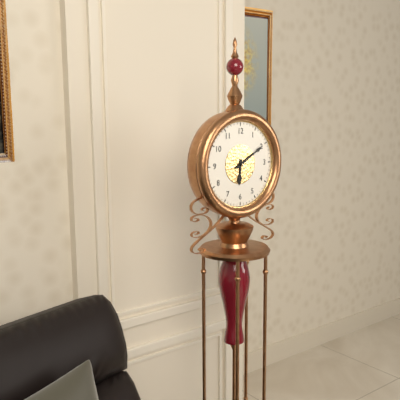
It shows 6:10
